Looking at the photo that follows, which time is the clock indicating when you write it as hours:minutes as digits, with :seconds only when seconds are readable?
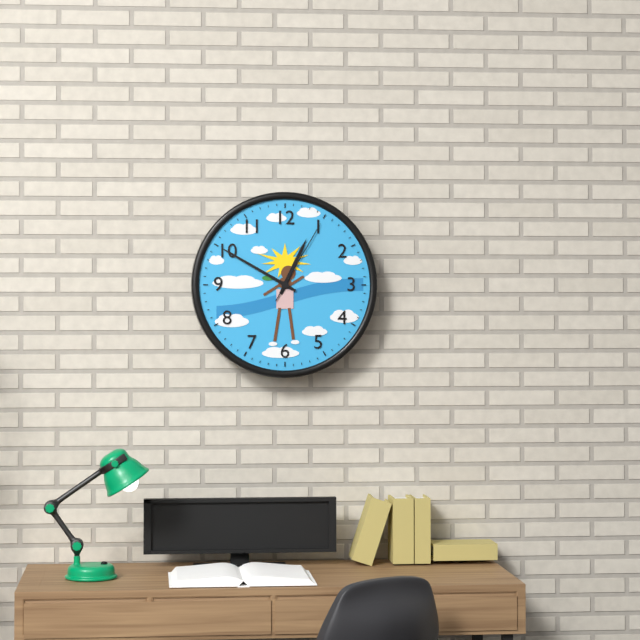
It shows 12:50:05
